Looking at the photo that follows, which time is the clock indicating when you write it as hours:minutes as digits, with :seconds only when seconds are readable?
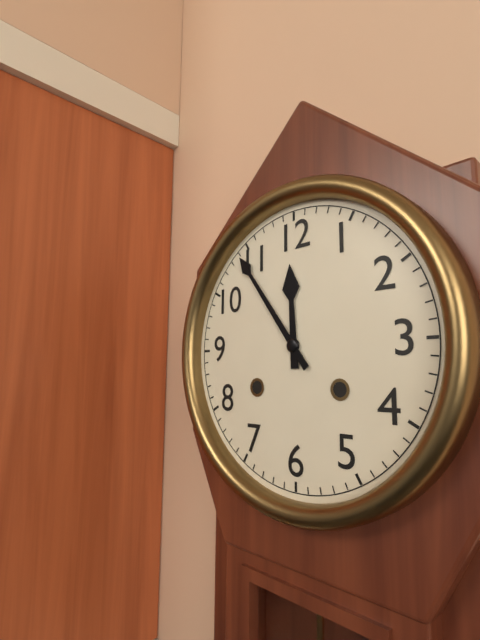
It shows 11:54
